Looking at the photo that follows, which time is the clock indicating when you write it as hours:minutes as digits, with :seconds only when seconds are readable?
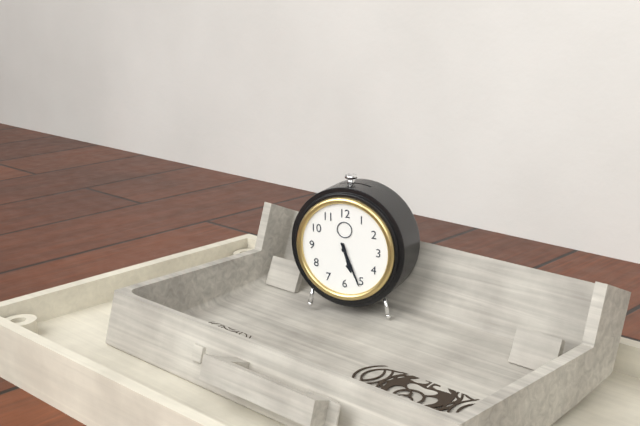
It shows 5:26
